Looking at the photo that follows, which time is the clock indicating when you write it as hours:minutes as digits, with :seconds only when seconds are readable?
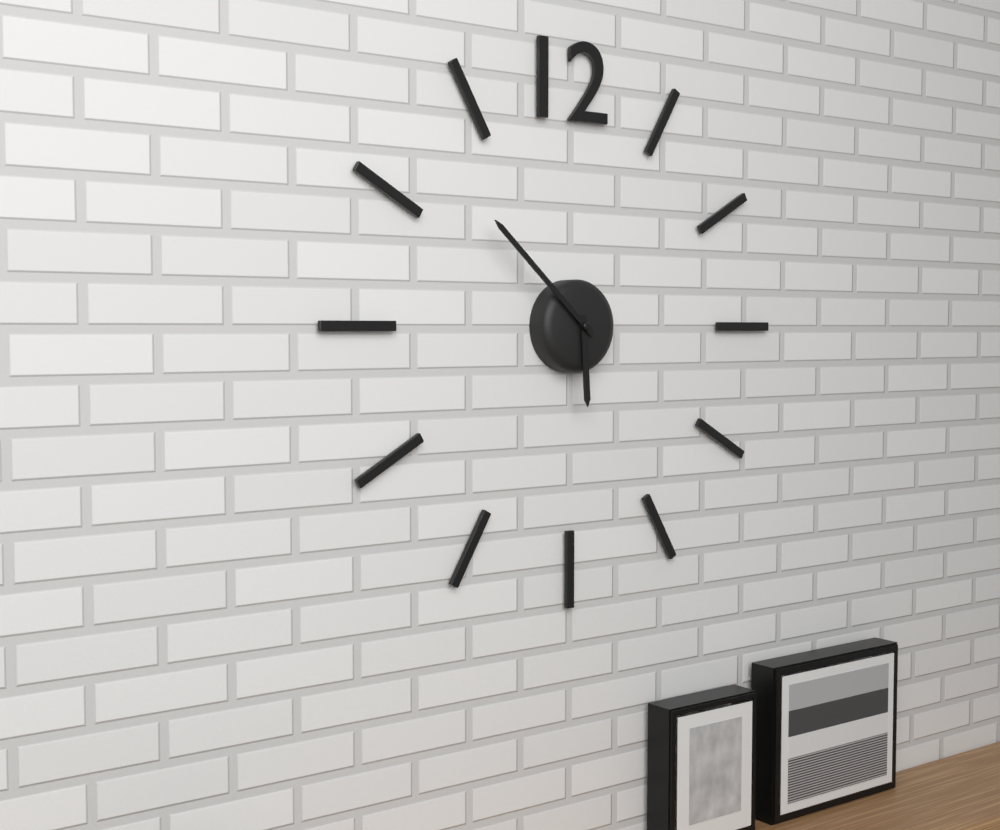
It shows 5:52
